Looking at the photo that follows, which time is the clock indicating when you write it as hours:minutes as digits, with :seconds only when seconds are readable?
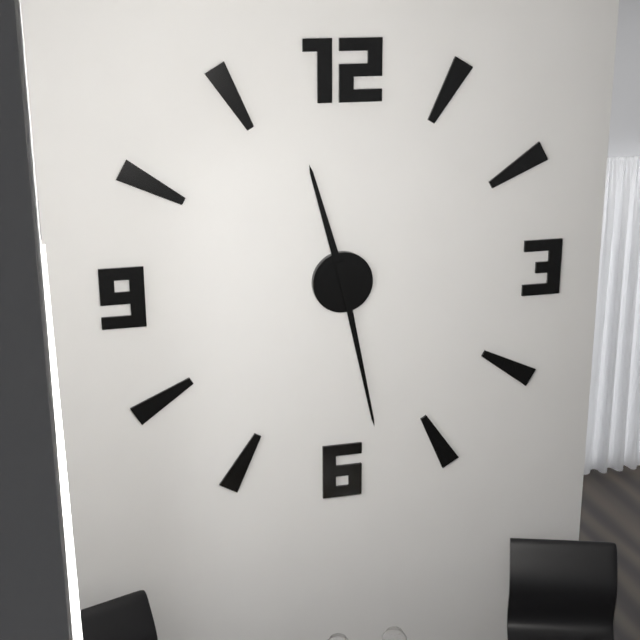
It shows 11:28
